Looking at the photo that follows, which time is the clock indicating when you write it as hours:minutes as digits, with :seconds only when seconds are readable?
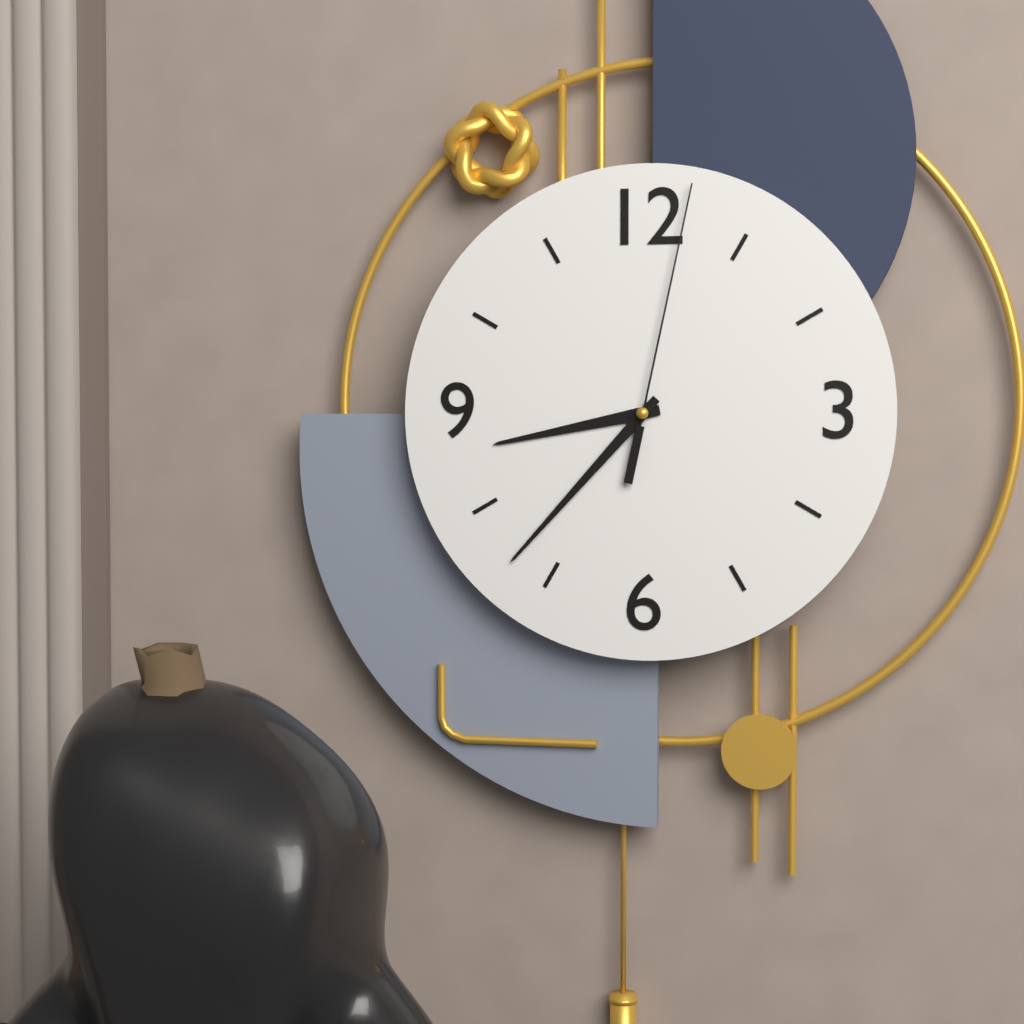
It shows 8:37:02
